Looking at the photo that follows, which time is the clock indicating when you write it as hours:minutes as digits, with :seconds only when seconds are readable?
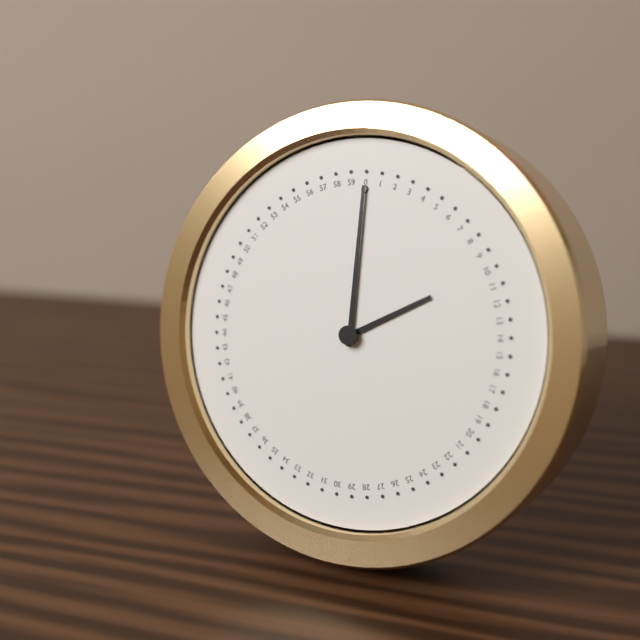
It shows 2:00
